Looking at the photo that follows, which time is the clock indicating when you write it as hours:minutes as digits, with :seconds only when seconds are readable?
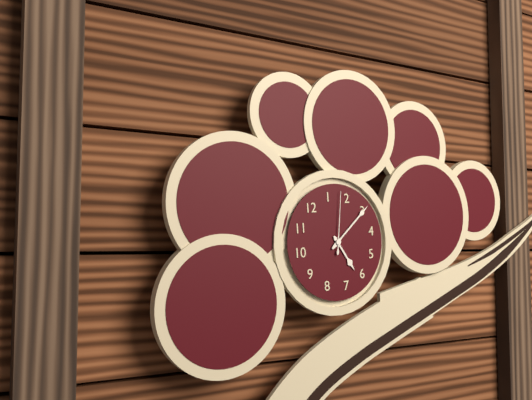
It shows 6:15:08
